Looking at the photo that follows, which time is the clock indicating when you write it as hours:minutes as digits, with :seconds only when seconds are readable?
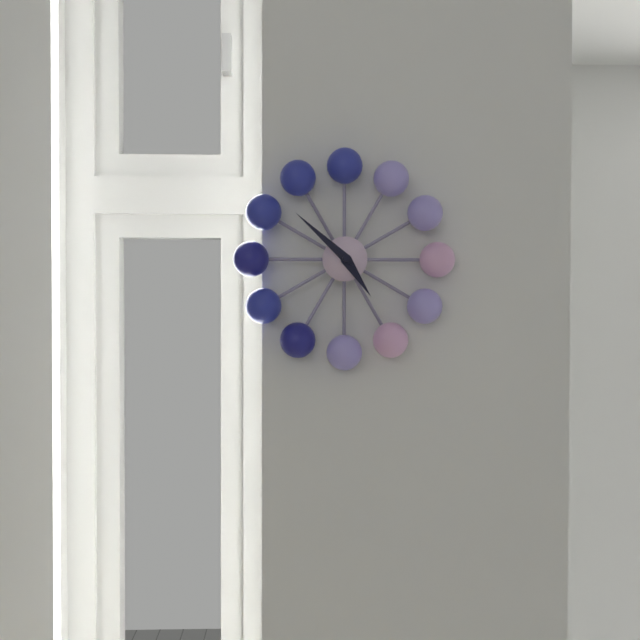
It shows 4:52
